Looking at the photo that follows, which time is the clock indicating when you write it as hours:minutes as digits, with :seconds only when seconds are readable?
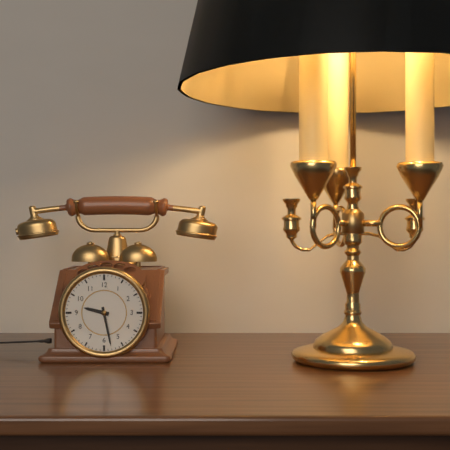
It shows 9:28
